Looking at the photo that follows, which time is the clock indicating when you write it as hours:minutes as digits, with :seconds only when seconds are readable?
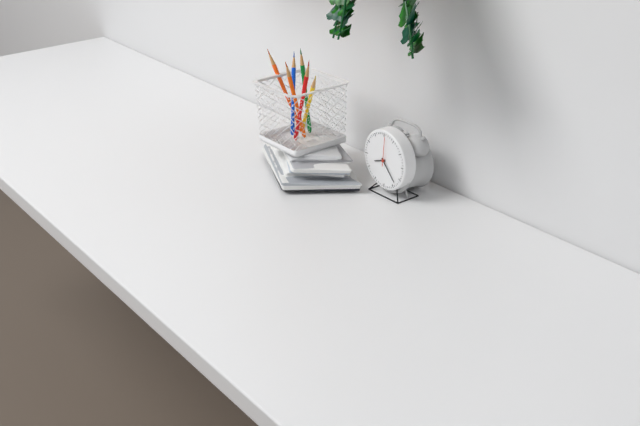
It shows 8:23
